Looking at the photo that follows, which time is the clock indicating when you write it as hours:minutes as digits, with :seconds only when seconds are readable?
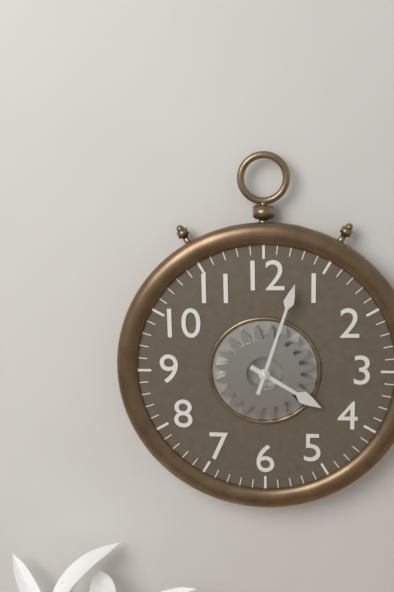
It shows 4:03
